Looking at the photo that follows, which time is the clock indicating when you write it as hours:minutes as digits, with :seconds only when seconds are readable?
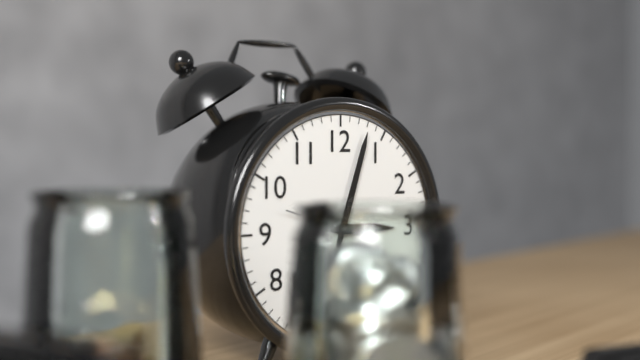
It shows 3:03:48
